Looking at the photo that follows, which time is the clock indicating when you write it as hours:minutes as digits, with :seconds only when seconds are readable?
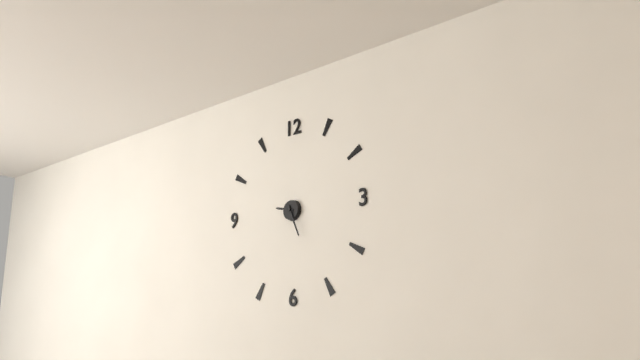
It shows 9:26
